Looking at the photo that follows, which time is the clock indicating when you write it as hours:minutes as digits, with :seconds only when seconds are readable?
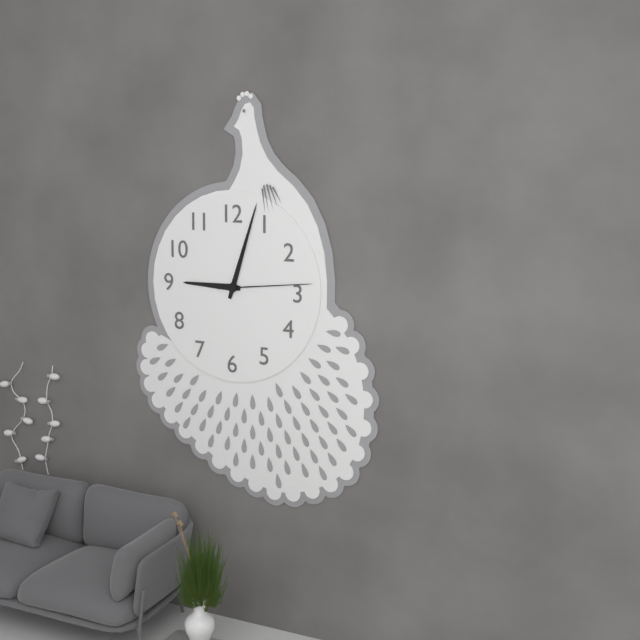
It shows 9:03:14
